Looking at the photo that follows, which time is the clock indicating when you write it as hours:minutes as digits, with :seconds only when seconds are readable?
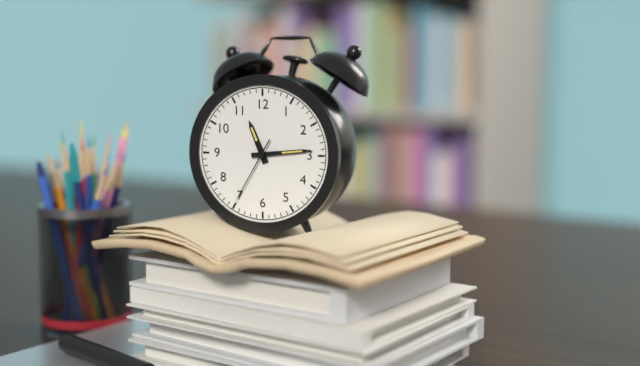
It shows 11:14:35
